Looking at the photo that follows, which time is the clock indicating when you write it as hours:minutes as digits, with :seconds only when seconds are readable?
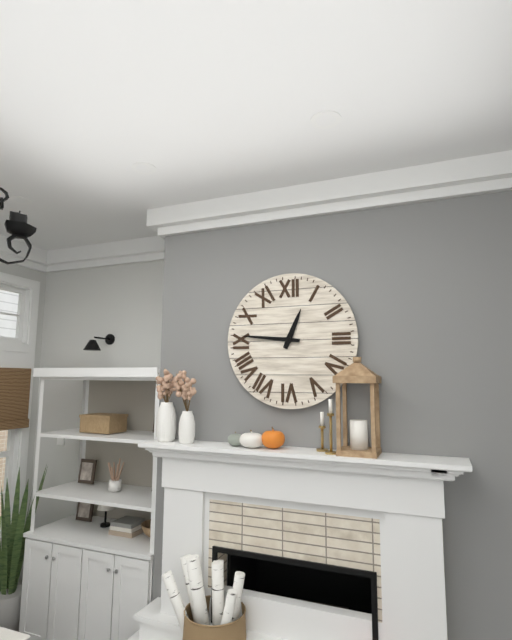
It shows 12:46
